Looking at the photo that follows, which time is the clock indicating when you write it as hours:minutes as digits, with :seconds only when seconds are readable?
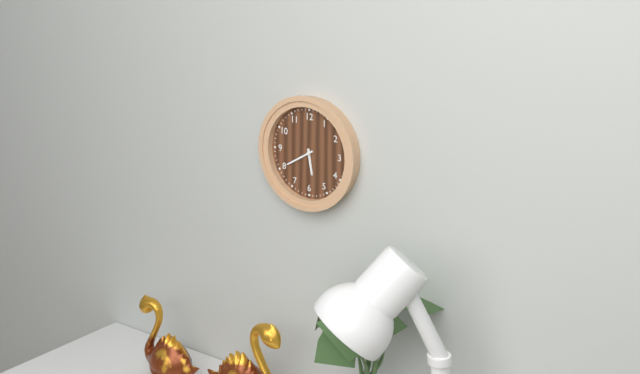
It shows 5:40
